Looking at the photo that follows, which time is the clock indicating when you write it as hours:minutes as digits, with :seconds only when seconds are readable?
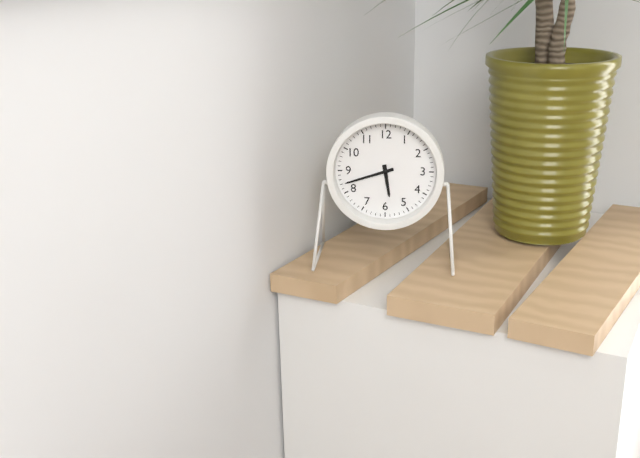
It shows 5:42
